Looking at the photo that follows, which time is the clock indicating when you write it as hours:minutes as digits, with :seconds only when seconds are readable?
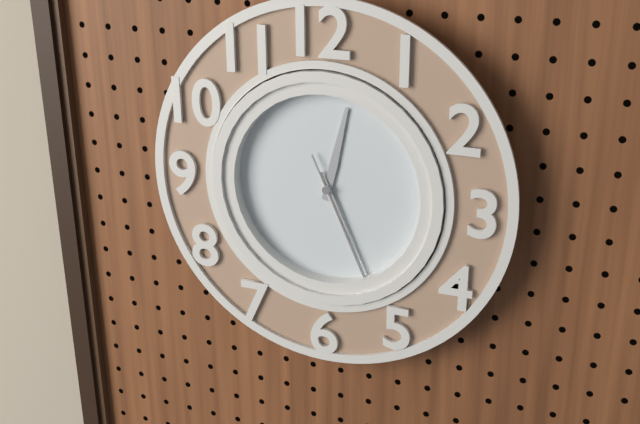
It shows 12:26:26
